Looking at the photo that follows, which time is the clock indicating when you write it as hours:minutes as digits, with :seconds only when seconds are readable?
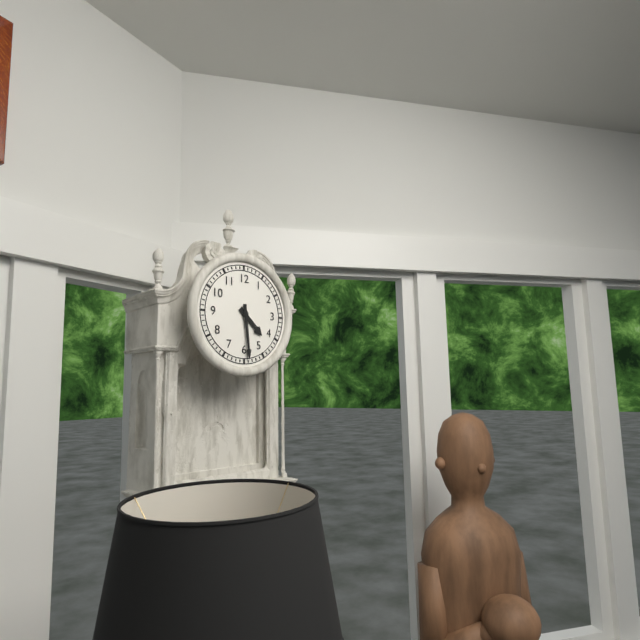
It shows 4:29
